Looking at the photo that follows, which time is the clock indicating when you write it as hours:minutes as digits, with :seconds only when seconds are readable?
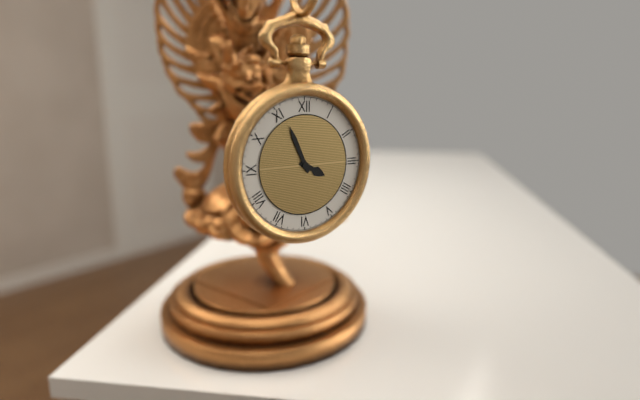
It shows 3:56
